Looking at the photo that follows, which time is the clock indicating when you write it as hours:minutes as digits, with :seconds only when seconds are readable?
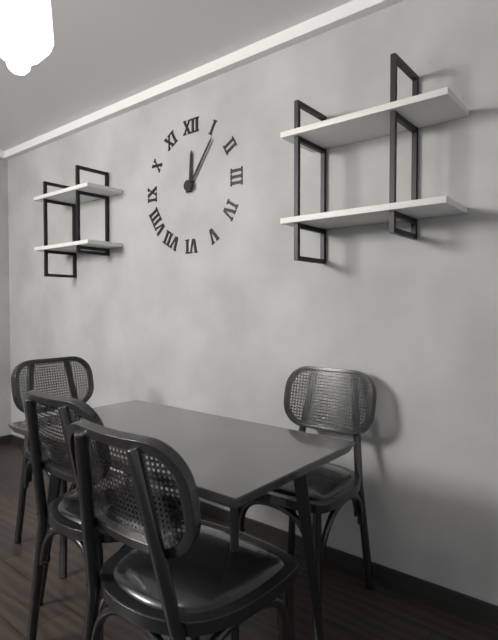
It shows 12:06
